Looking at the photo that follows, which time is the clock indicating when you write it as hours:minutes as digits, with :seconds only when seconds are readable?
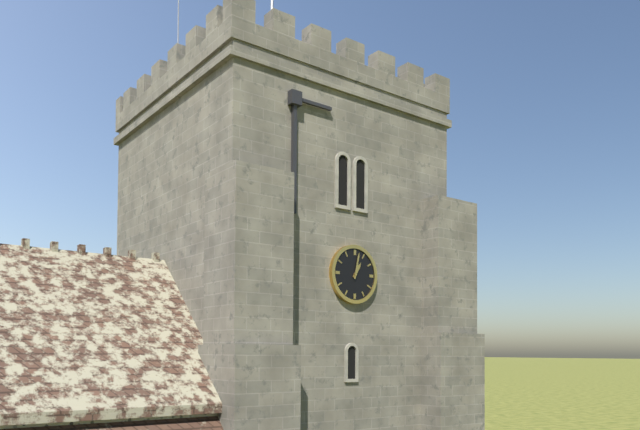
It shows 1:02
